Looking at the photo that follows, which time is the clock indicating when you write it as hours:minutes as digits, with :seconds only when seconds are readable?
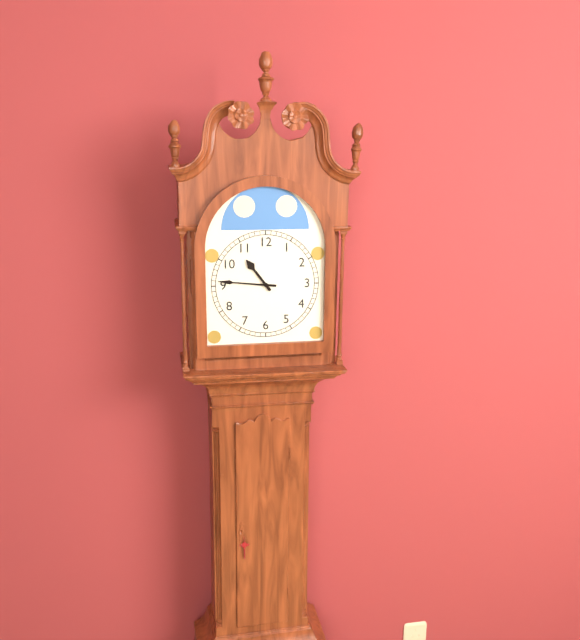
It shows 10:46
